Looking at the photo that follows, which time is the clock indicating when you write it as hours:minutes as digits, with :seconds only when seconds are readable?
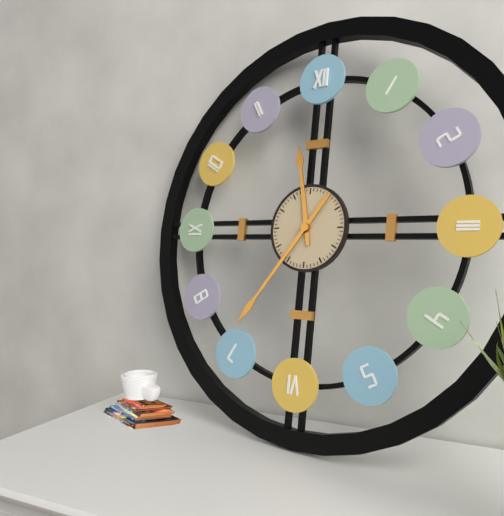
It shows 11:36
